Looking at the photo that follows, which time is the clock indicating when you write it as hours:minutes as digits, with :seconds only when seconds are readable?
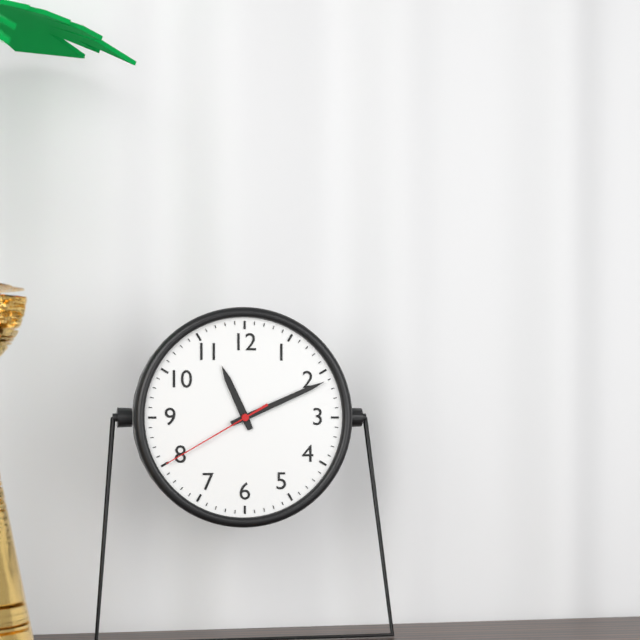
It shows 11:11:40
